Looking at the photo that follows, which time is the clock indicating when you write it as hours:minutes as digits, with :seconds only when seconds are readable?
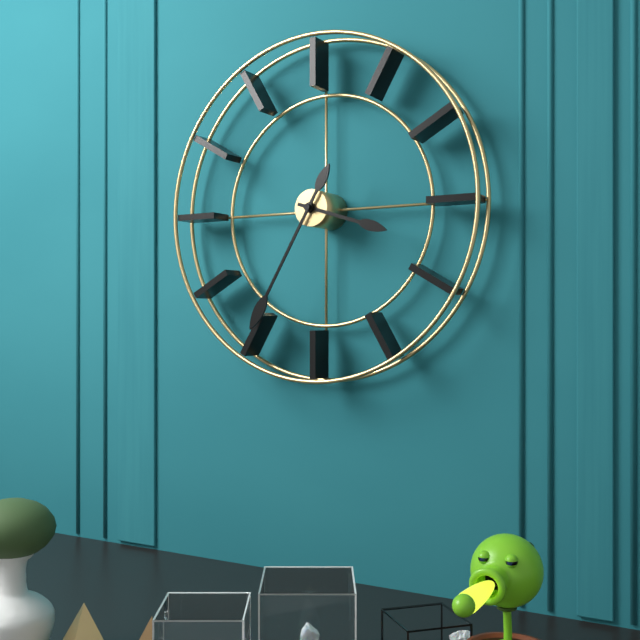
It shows 3:35
